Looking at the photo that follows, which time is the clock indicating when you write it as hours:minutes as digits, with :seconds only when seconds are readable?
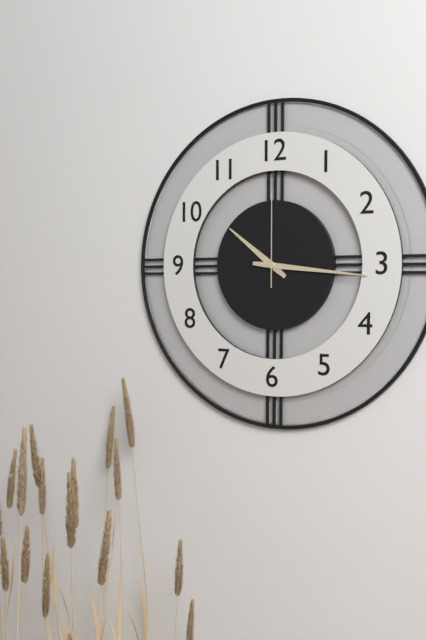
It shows 10:16:00
